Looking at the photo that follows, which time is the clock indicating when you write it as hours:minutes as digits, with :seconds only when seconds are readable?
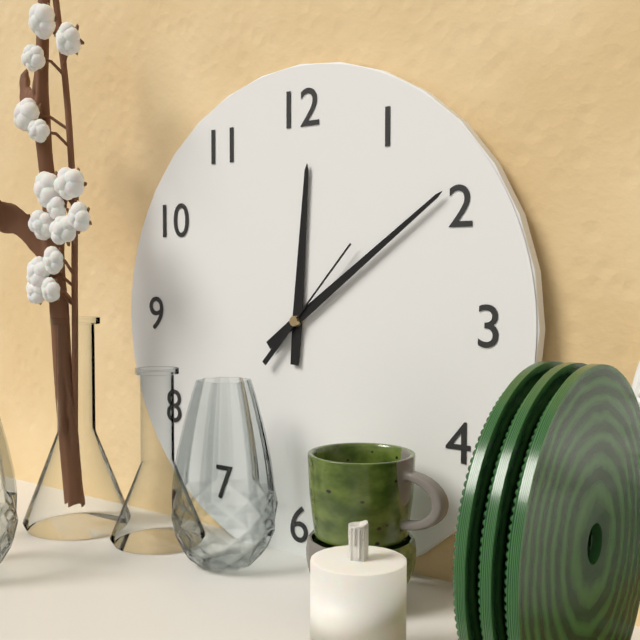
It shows 12:09:07
